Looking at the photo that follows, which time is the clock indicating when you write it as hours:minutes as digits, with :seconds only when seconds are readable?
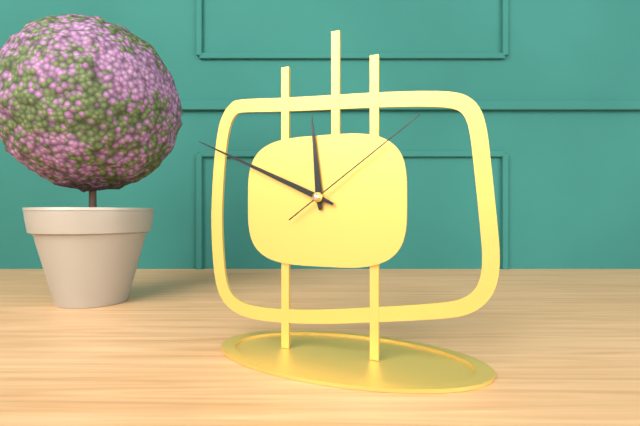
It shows 11:49:09
